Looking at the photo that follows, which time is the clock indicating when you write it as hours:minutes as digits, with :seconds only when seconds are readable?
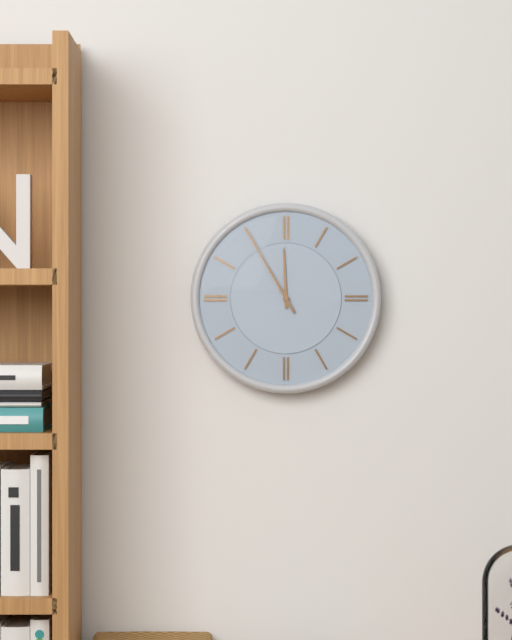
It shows 11:55
